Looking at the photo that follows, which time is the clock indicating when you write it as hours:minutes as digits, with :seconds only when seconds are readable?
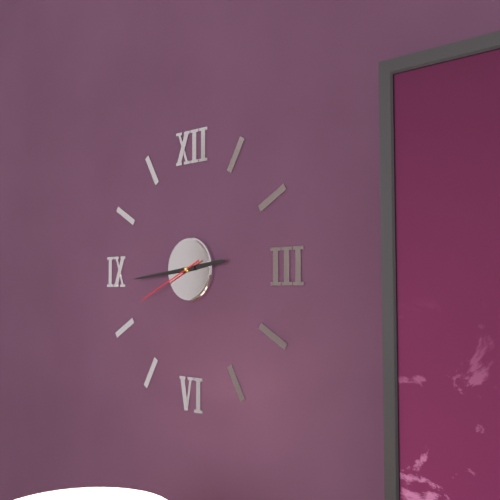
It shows 2:44:41
